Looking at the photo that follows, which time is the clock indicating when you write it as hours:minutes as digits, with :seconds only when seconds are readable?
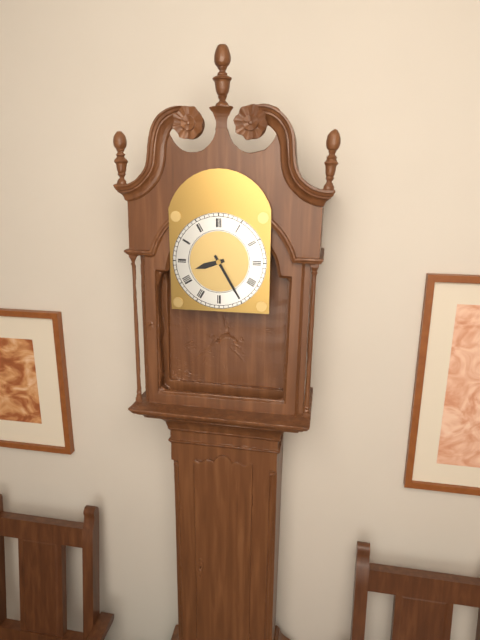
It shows 8:25
